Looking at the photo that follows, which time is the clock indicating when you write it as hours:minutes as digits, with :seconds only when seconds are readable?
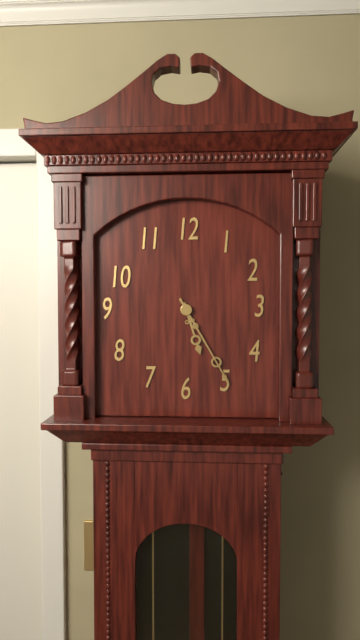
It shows 5:25
